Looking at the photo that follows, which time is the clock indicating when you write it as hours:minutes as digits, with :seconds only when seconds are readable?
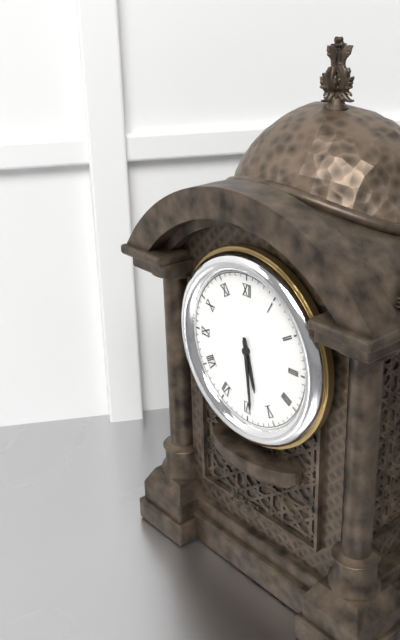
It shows 5:29
